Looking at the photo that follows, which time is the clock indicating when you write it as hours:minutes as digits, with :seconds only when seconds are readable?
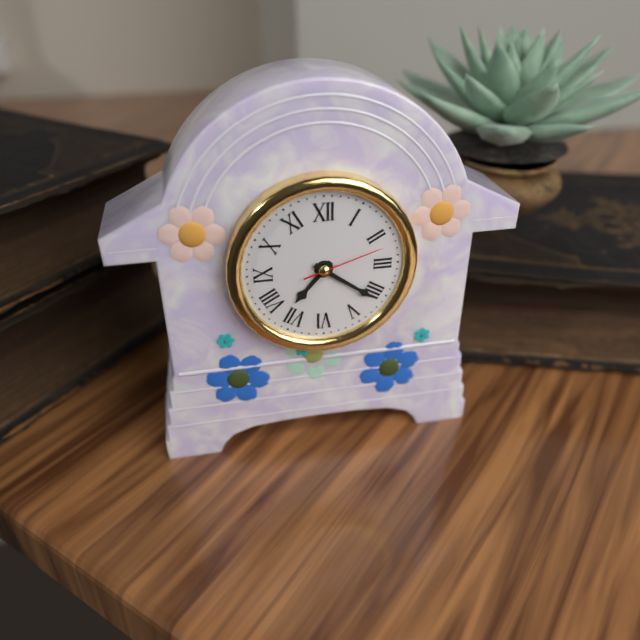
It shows 7:21:12
